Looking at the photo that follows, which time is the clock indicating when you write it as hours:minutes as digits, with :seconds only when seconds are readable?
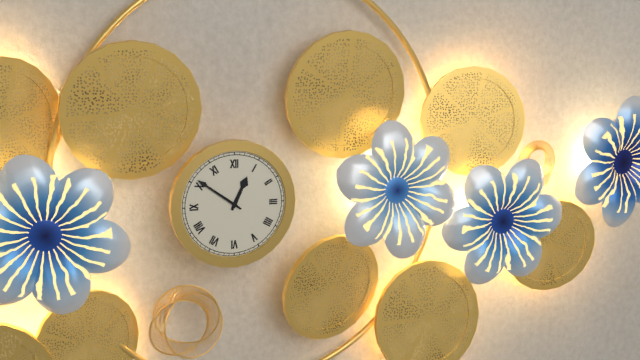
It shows 12:51
